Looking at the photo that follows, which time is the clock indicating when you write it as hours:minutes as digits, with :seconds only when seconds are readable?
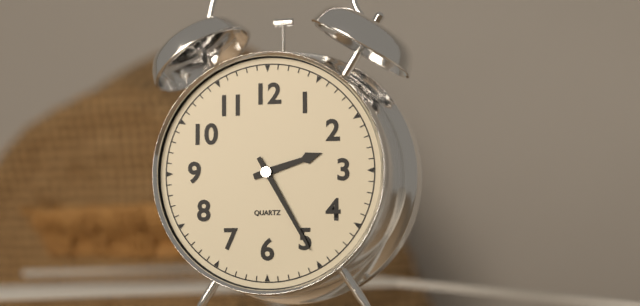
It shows 2:25
